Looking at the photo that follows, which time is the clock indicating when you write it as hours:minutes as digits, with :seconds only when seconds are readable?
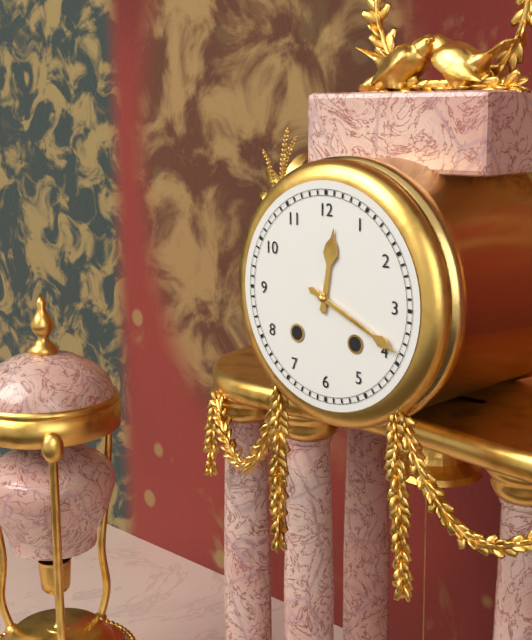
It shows 12:19
